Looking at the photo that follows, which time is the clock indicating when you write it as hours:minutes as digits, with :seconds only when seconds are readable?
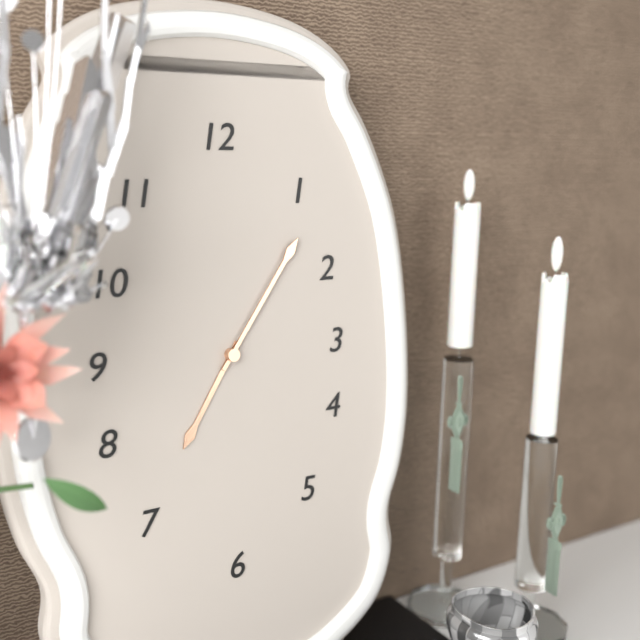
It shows 7:06
